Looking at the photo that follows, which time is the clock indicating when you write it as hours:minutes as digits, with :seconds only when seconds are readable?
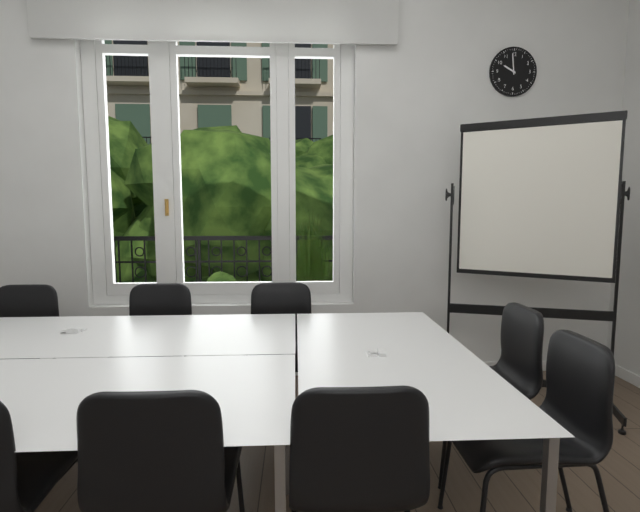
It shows 9:59
